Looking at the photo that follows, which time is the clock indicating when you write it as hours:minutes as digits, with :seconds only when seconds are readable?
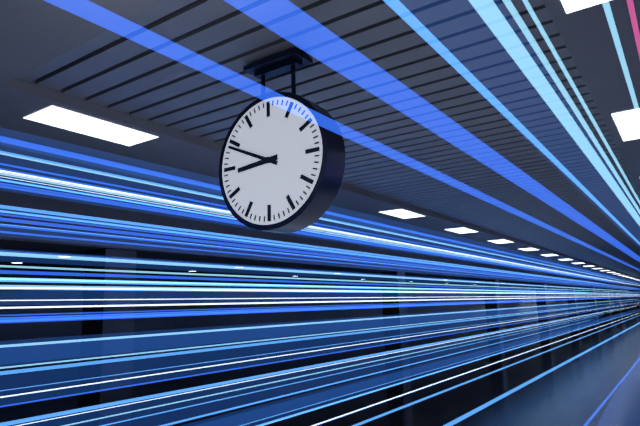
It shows 8:49
